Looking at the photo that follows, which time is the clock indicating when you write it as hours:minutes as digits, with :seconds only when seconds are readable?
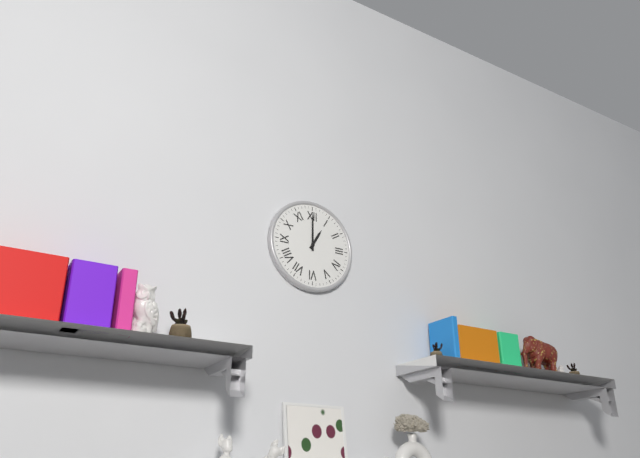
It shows 1:00
